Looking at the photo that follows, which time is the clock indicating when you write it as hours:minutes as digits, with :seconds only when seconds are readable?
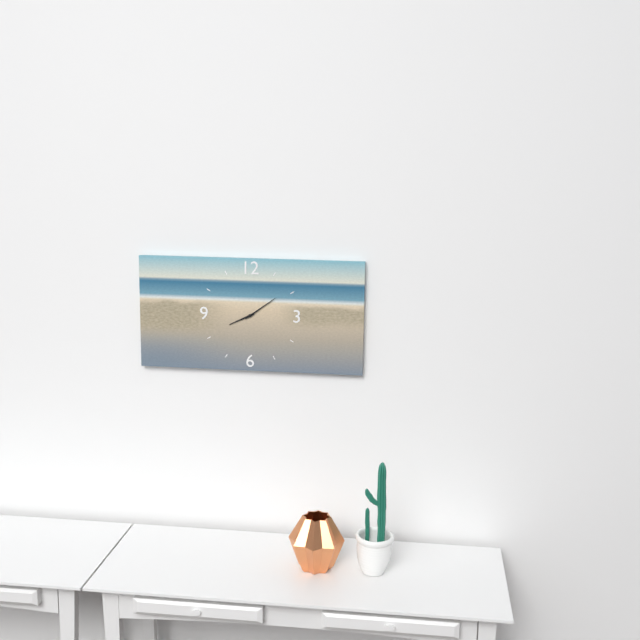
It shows 8:09
